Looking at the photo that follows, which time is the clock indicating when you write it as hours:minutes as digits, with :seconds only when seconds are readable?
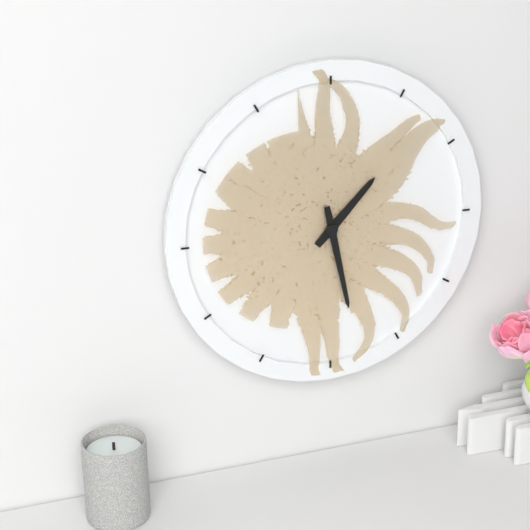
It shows 1:28
